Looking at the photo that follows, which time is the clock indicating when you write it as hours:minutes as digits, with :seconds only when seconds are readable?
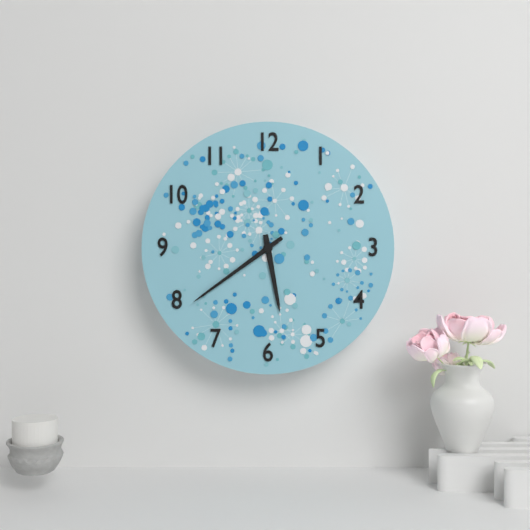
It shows 5:39
